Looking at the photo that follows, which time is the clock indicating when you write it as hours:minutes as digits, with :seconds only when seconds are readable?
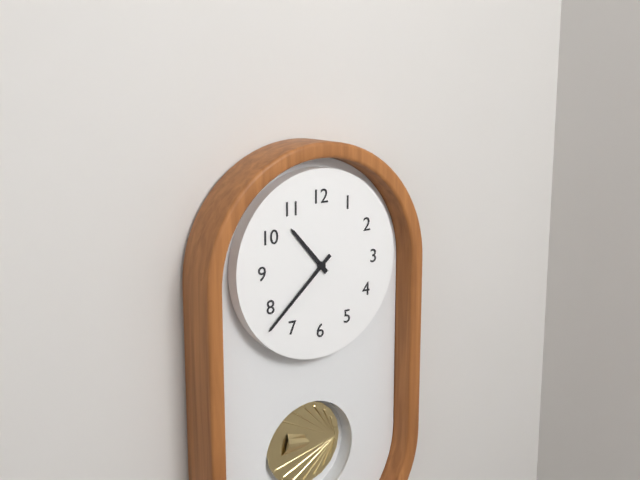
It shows 10:38
